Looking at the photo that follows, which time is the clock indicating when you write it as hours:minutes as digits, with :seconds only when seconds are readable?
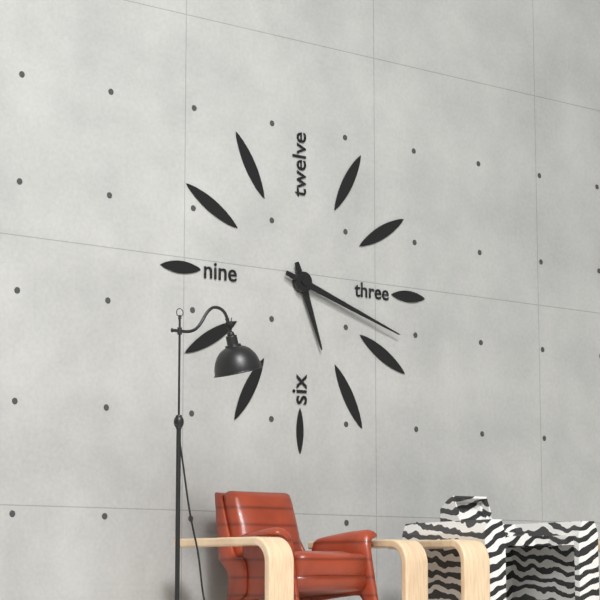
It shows 5:18
